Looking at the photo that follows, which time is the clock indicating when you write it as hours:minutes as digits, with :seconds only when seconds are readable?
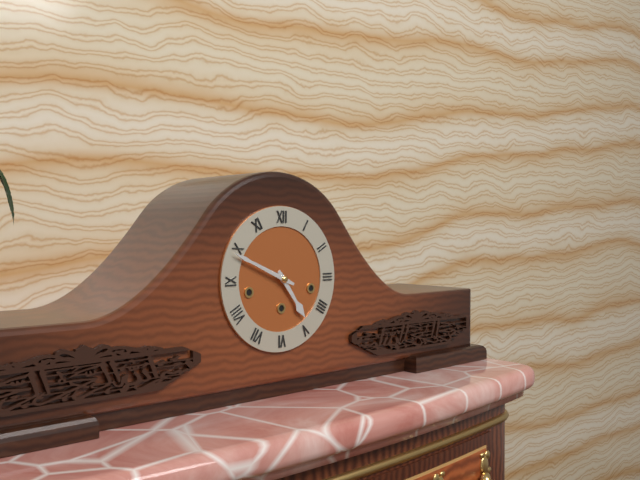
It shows 4:49
